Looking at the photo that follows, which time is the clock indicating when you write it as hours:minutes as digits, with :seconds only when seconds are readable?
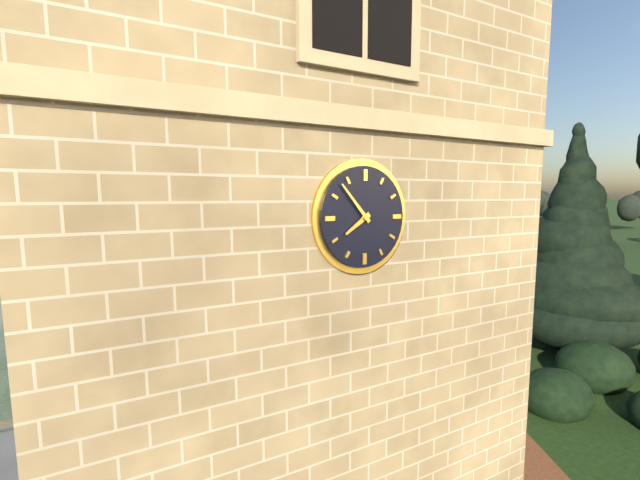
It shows 7:53
